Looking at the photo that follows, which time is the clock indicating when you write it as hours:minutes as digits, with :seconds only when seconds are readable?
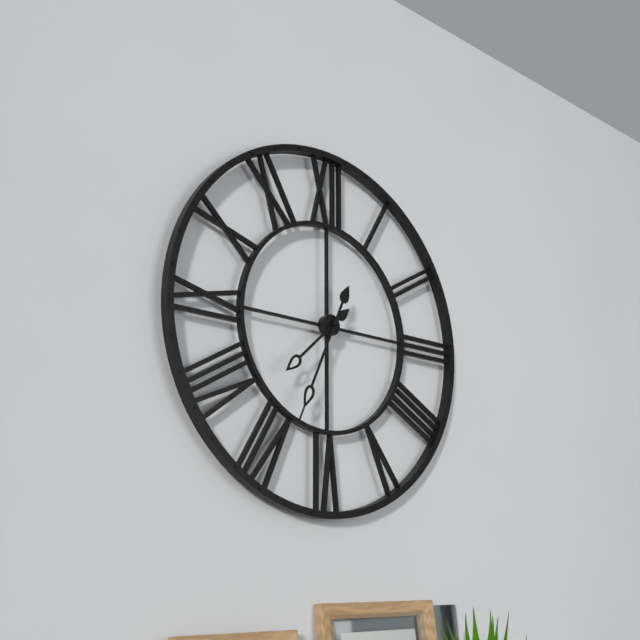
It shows 7:34
